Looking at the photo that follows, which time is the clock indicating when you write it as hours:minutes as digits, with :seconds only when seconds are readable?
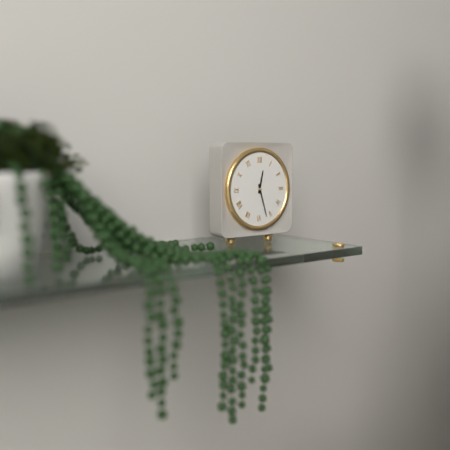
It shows 12:27
